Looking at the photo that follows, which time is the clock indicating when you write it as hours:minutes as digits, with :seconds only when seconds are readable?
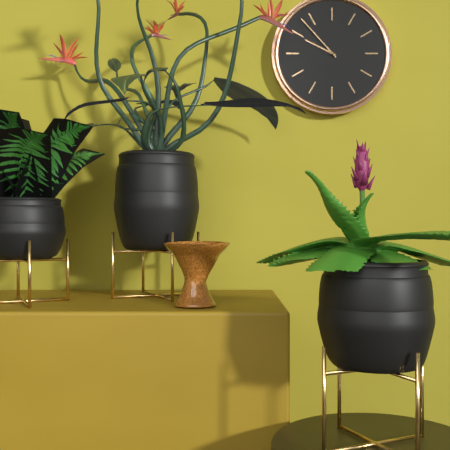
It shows 9:53
